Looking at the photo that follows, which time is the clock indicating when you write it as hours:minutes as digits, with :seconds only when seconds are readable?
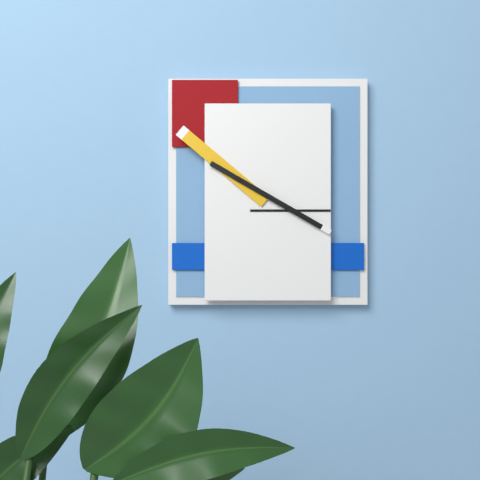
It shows 10:20
